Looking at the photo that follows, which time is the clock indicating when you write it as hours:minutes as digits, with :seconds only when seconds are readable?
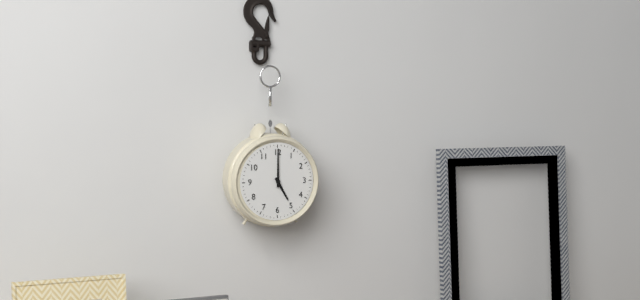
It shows 5:00
